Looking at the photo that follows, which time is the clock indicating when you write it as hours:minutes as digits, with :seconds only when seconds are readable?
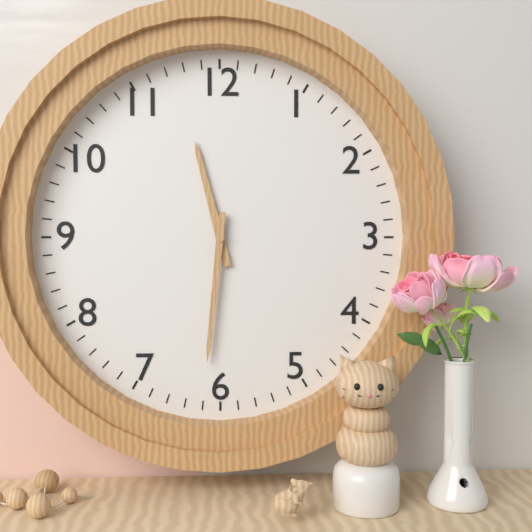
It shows 11:31
